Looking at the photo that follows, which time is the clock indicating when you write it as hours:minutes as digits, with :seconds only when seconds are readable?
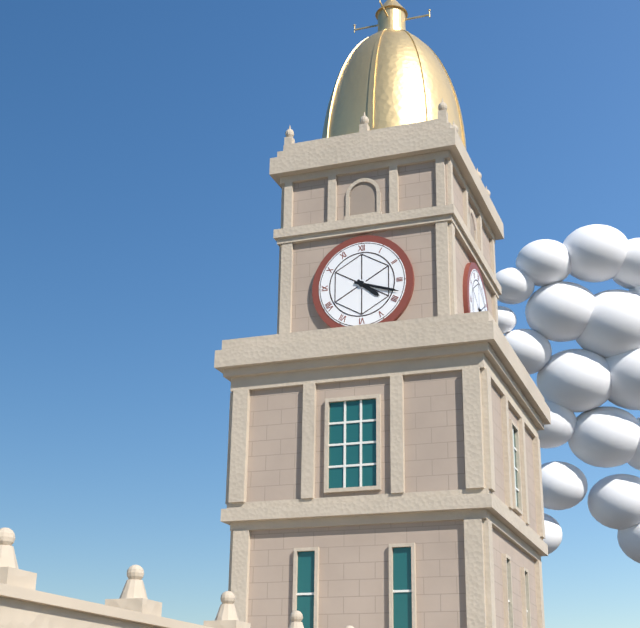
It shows 4:18
